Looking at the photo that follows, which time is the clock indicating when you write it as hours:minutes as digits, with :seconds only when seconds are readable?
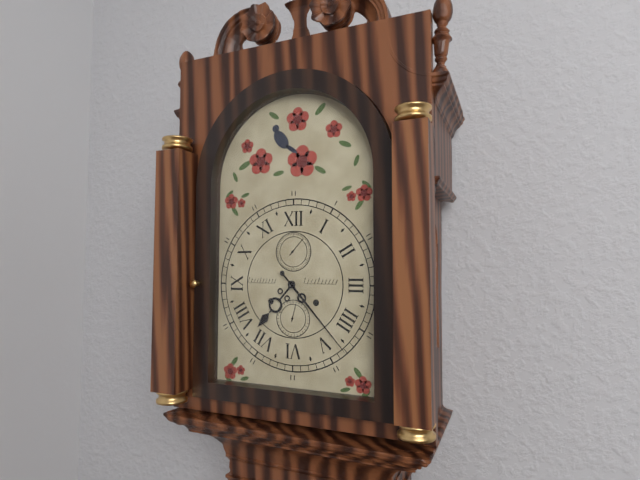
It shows 7:23
